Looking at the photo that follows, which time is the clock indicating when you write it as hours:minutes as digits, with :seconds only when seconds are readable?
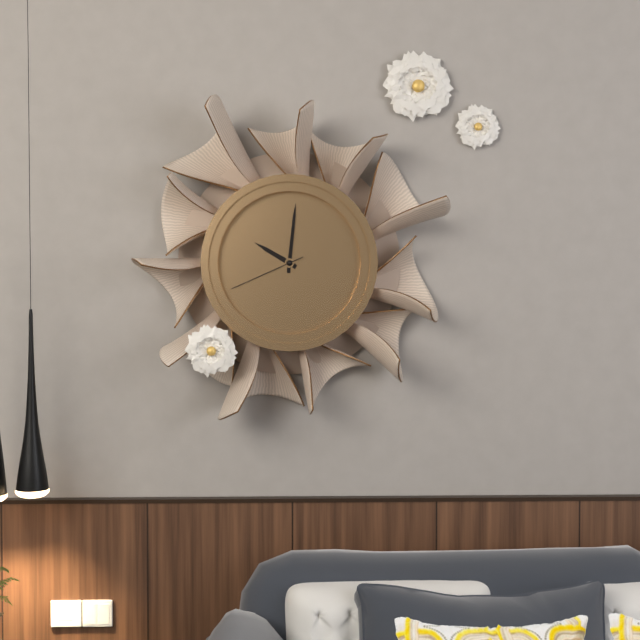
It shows 10:01:41
